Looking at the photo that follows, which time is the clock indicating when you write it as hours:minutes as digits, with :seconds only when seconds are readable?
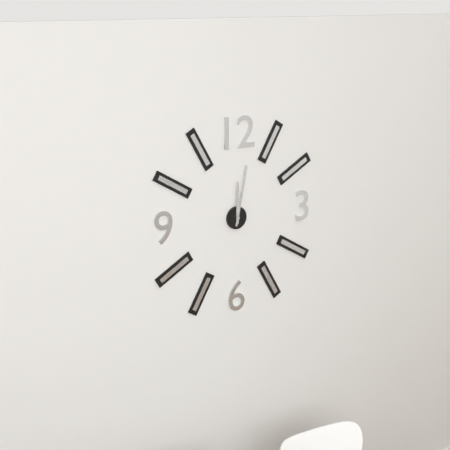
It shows 12:02
